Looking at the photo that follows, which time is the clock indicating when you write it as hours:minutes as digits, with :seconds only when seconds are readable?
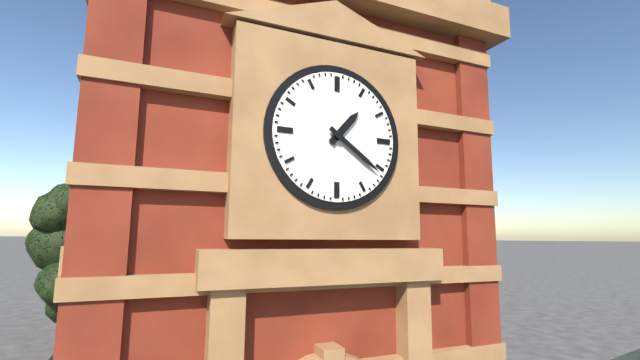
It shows 1:21
